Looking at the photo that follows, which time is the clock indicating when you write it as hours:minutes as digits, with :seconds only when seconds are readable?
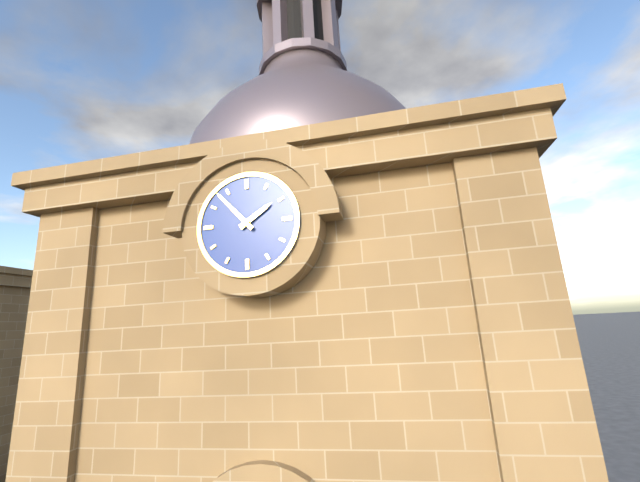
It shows 1:53
